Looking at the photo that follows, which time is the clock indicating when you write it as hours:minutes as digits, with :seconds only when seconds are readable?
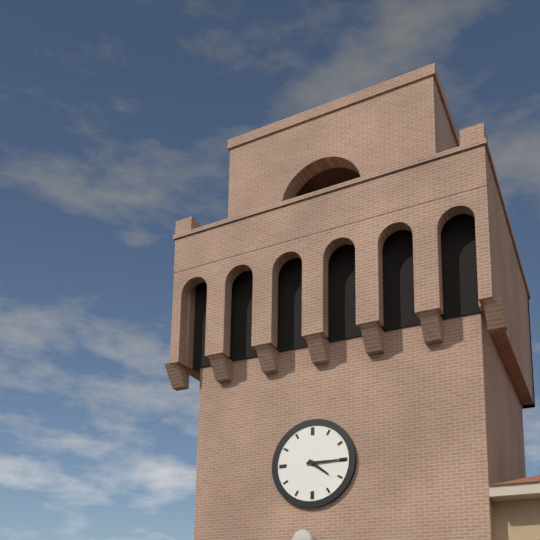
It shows 4:15
